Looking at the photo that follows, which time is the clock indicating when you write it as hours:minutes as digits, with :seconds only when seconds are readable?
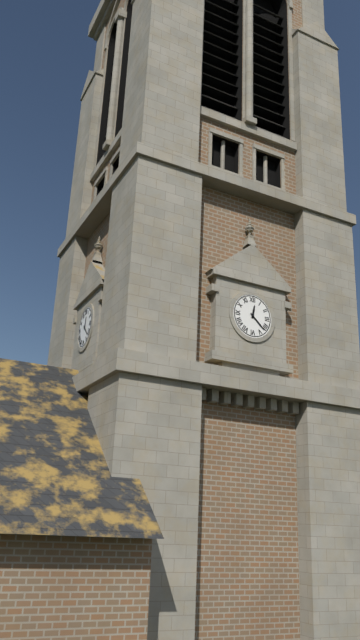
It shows 12:22
